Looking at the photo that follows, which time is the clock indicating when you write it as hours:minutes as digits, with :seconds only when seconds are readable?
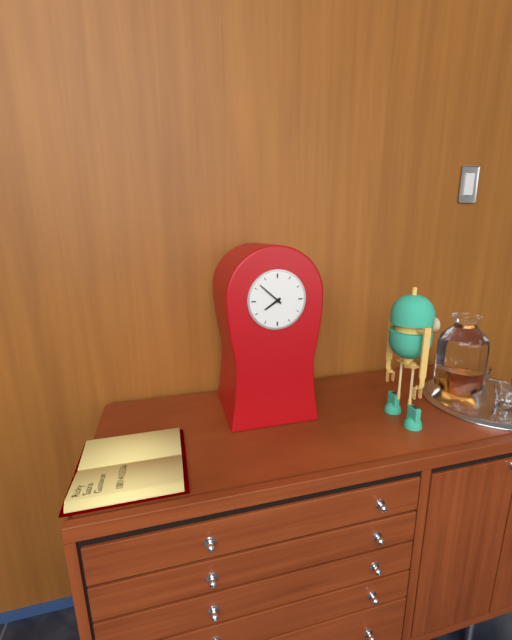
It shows 7:52
